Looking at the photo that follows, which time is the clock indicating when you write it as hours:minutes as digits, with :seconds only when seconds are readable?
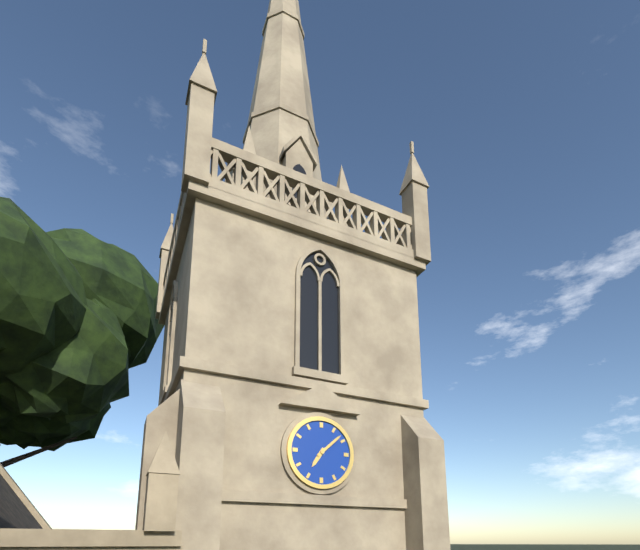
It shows 7:08
